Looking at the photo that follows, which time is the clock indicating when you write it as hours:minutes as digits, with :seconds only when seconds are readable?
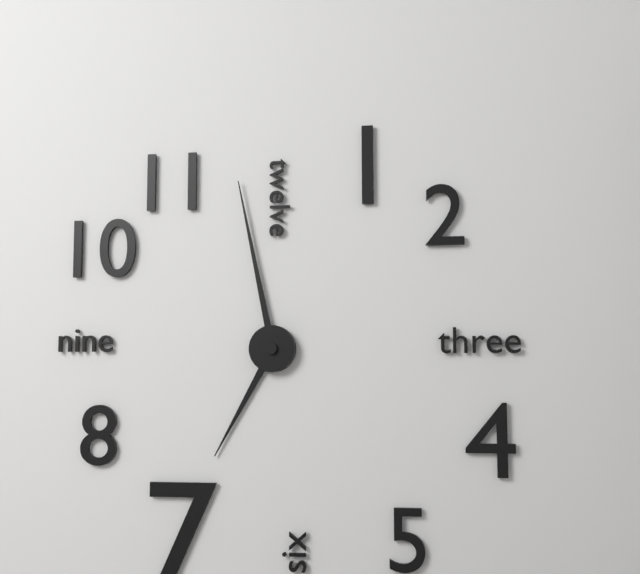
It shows 6:58
